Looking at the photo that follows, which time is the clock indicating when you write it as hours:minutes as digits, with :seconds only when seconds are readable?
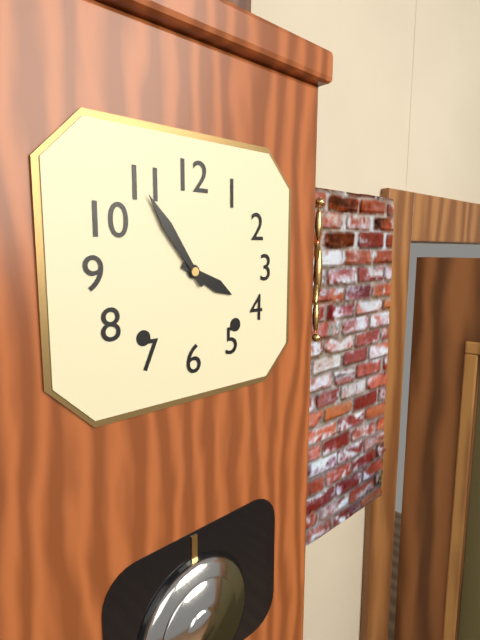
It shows 3:54
